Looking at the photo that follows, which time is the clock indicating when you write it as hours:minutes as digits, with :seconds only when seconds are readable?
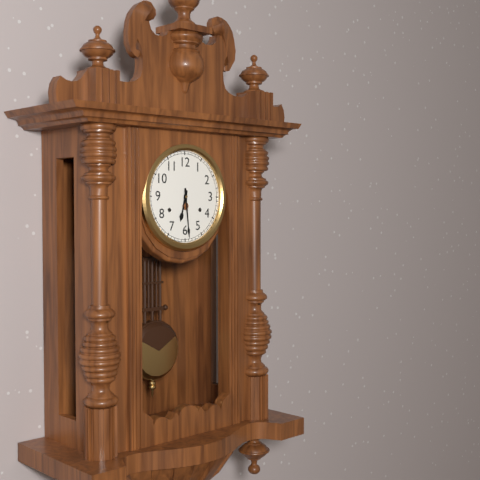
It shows 6:29
